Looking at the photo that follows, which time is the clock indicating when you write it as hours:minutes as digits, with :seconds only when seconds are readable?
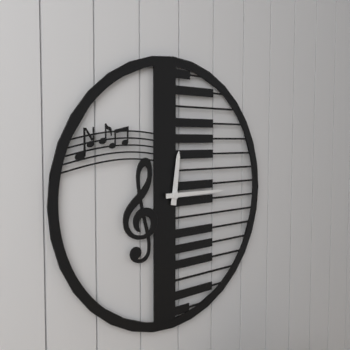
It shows 12:15
